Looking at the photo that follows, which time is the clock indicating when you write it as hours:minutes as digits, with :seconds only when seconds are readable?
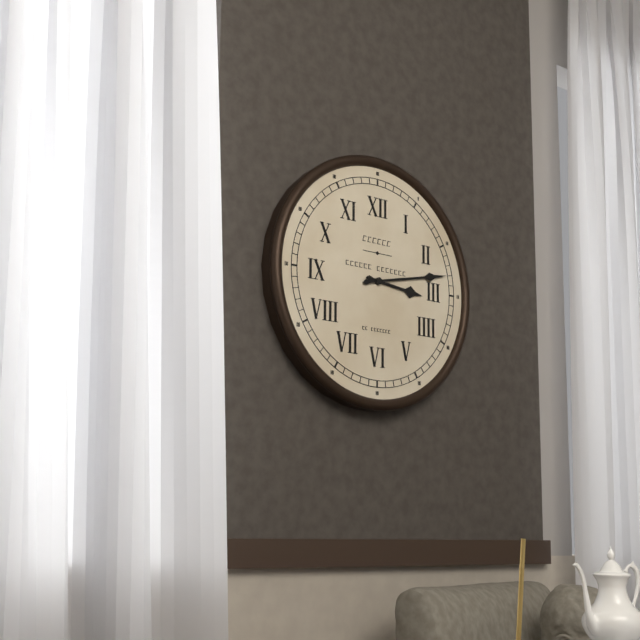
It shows 3:13
